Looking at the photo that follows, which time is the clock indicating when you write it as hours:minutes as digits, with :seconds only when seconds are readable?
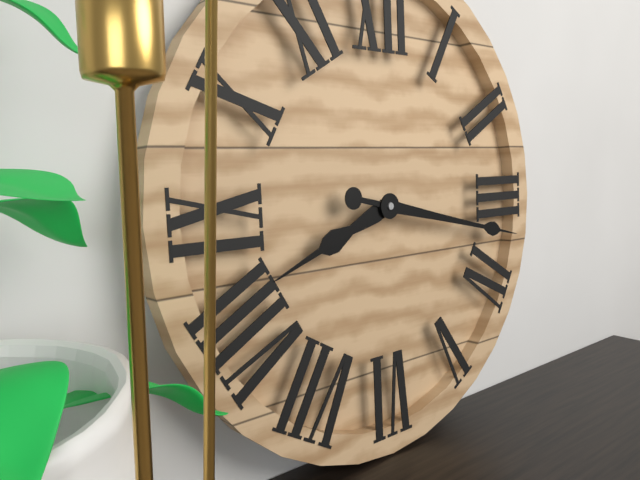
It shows 8:17
